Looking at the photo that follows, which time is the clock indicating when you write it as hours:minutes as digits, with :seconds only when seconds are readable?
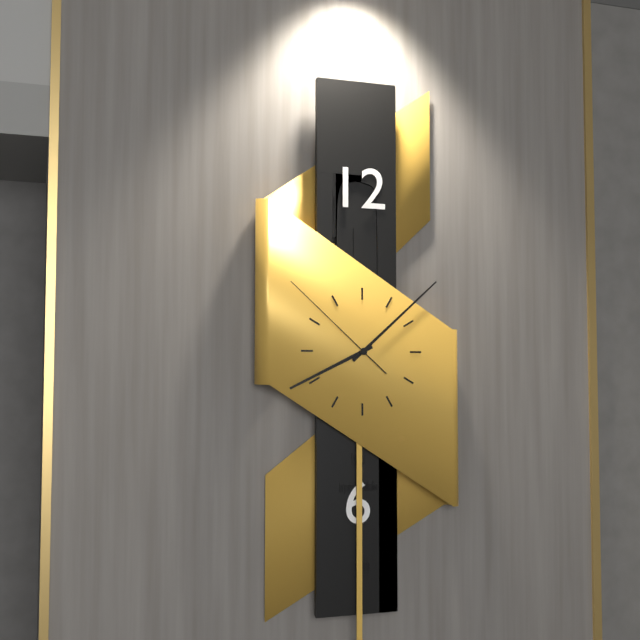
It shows 8:08:52
